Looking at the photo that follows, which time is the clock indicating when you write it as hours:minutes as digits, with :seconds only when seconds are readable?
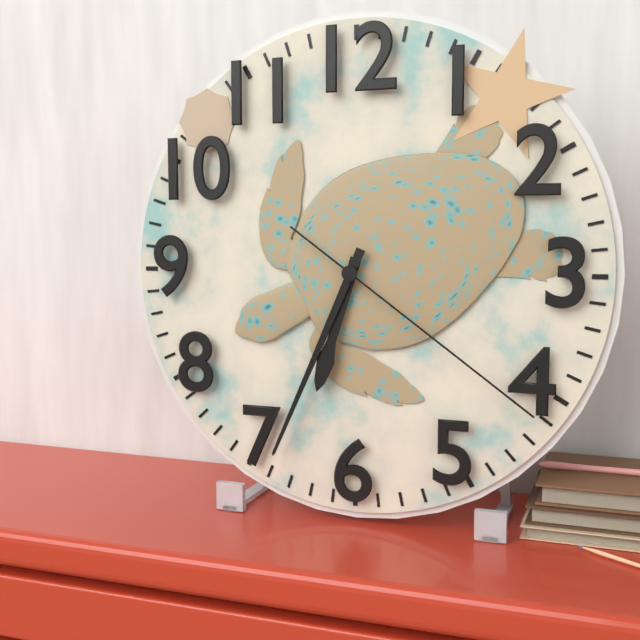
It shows 6:34:21
